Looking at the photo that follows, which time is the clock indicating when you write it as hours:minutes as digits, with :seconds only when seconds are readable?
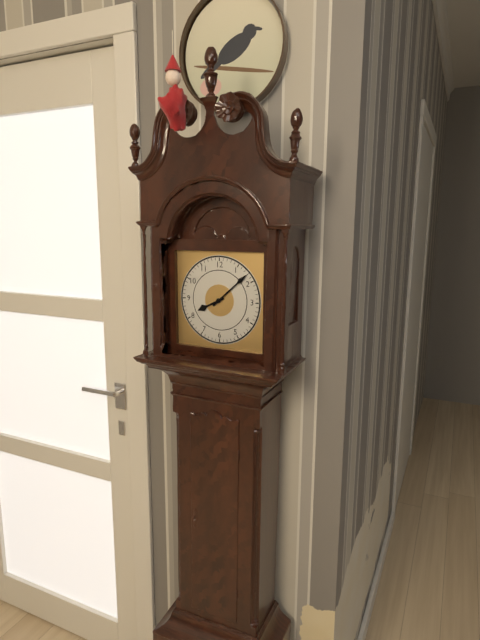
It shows 8:08
